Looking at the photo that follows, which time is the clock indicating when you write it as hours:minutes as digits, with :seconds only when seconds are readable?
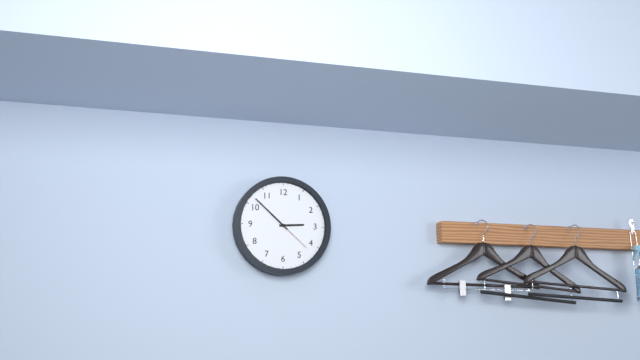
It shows 2:52
